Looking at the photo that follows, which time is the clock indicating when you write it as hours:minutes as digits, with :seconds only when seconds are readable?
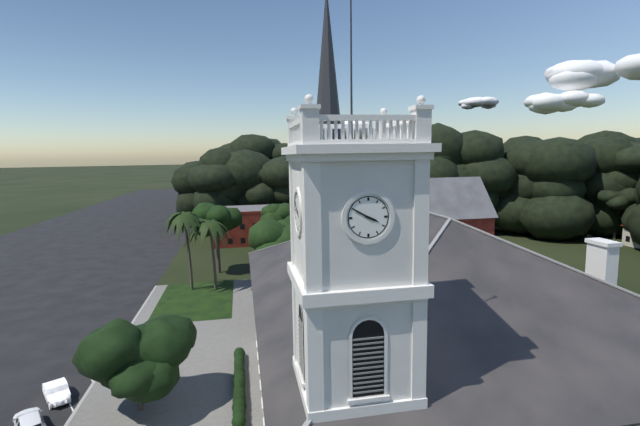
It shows 3:50
